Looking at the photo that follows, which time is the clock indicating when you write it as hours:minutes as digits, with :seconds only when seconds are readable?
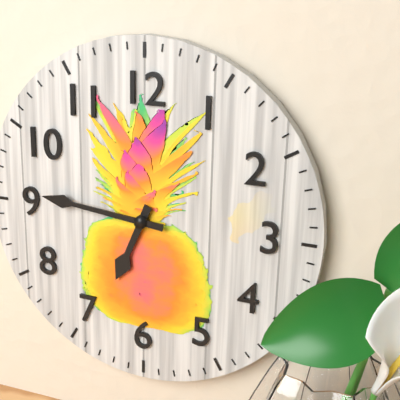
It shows 6:46
